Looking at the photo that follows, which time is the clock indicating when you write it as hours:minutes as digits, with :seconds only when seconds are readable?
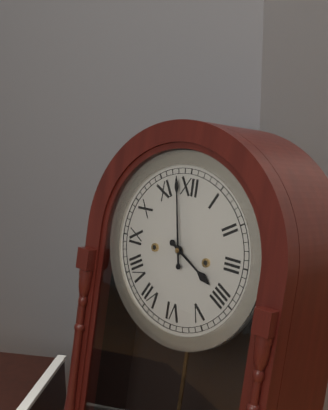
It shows 3:58
